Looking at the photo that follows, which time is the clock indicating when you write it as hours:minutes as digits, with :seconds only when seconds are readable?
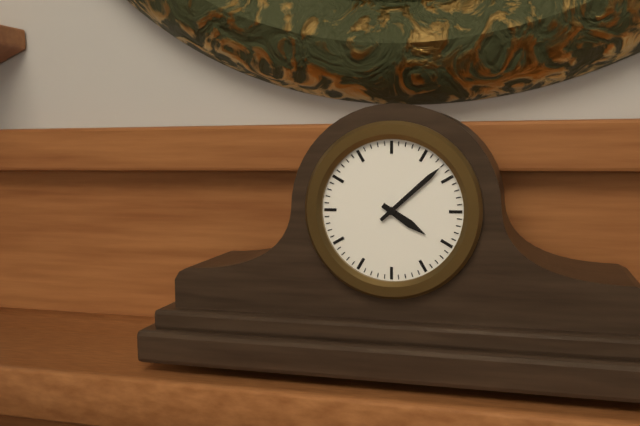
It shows 4:08
